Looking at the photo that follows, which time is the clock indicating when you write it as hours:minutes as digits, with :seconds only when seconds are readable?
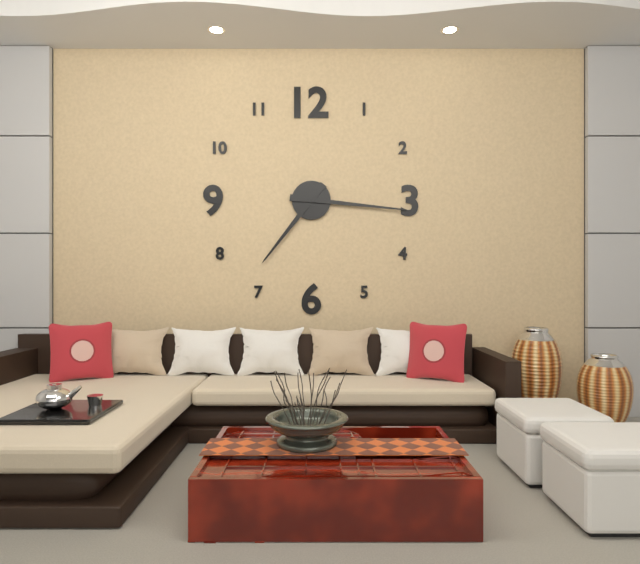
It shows 7:16
